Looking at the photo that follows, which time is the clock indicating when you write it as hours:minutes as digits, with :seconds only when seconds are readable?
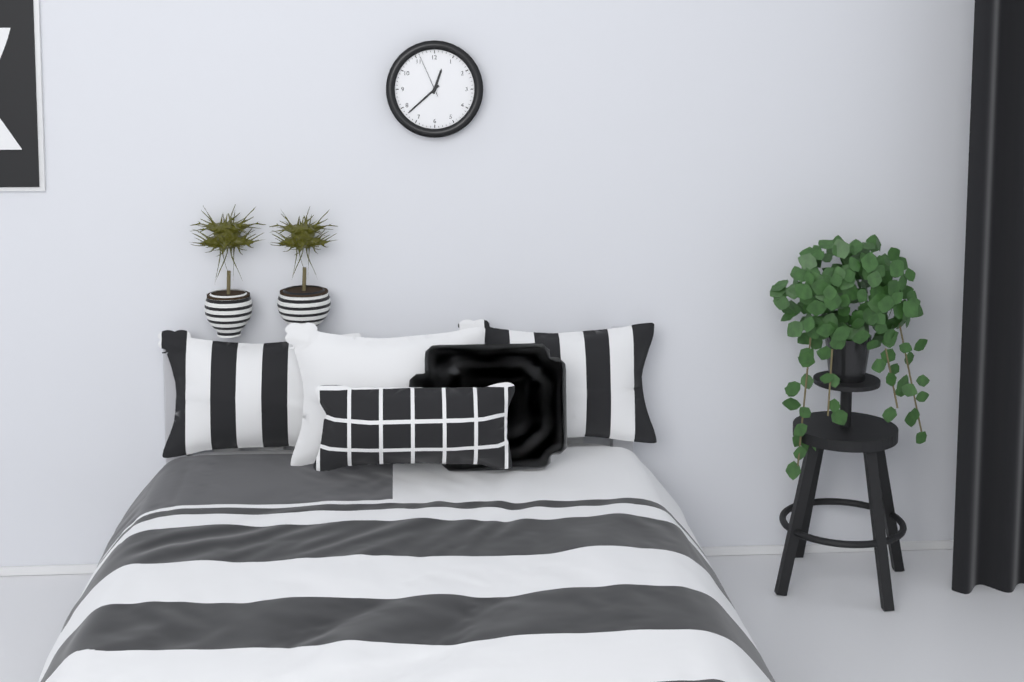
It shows 12:38
